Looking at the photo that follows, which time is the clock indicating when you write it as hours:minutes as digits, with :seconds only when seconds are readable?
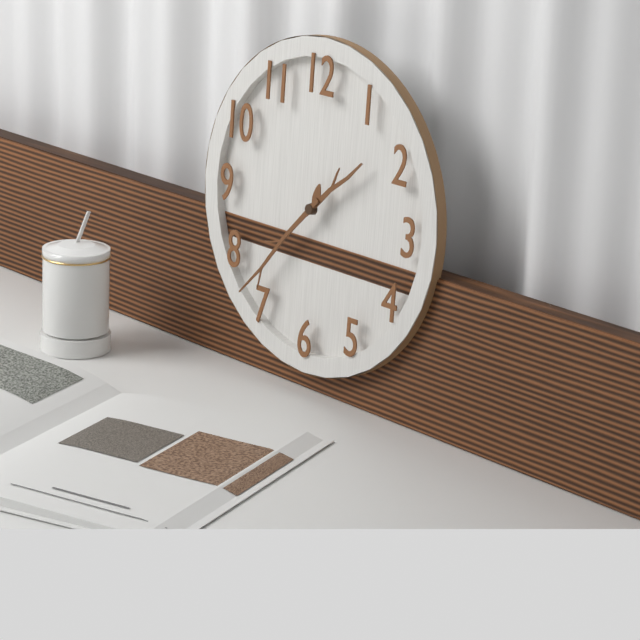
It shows 1:37
